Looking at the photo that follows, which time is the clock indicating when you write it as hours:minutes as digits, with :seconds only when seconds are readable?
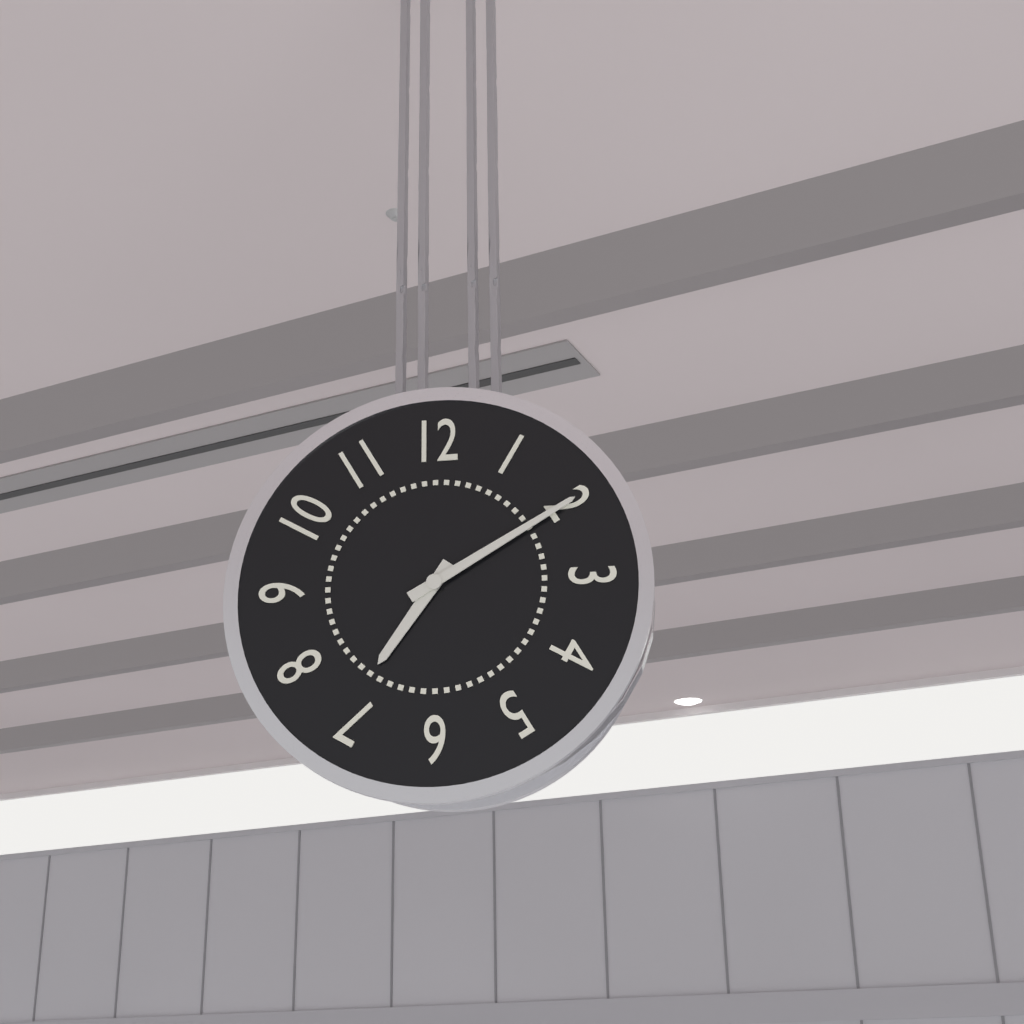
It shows 7:10
